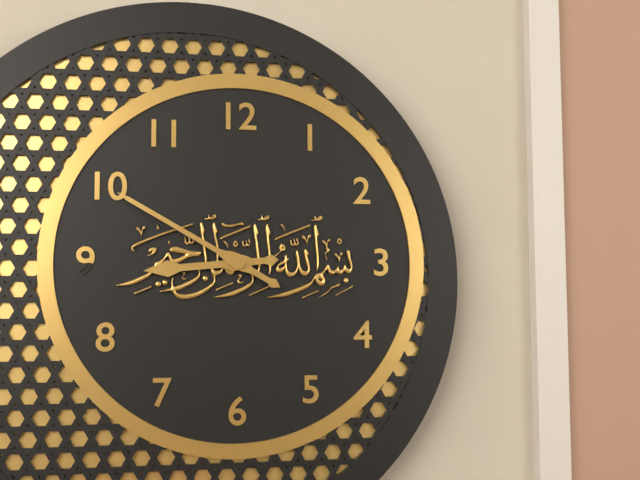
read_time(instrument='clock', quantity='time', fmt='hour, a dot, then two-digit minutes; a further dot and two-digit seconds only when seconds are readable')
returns 8.50
